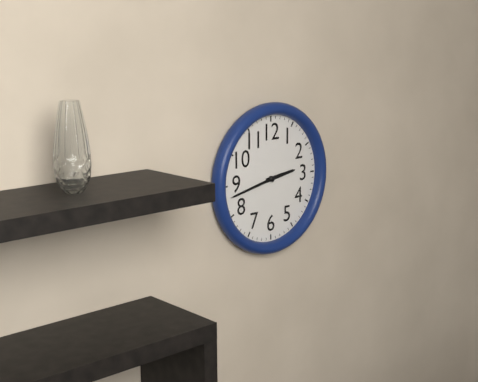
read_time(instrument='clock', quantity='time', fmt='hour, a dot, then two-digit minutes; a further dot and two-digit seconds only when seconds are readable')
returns 2.43
